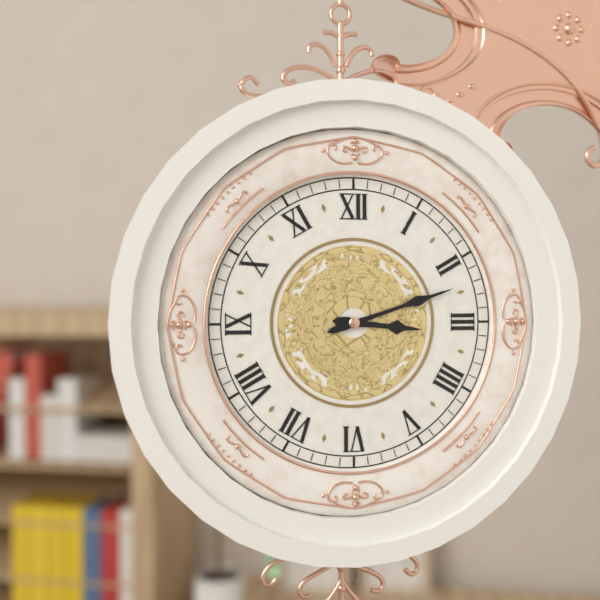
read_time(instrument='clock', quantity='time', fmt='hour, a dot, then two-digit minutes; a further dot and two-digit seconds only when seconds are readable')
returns 3.12
